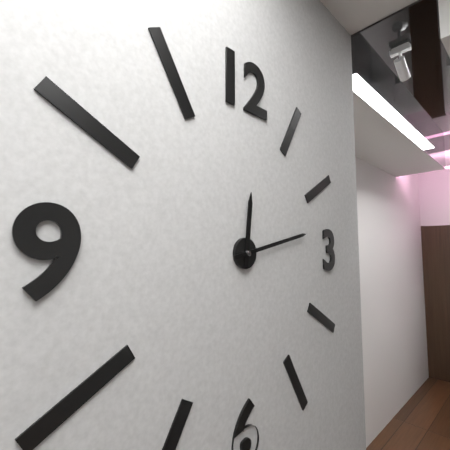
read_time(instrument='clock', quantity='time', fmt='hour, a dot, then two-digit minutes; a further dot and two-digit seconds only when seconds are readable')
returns 12.13
